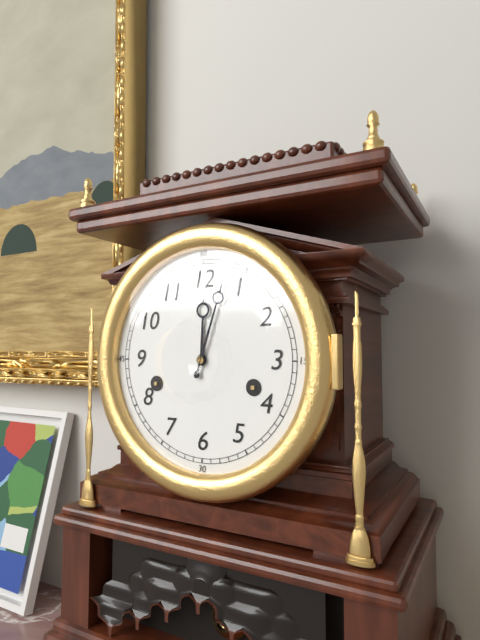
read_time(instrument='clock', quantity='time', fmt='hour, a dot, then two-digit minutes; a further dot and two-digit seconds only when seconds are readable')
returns 12.03
